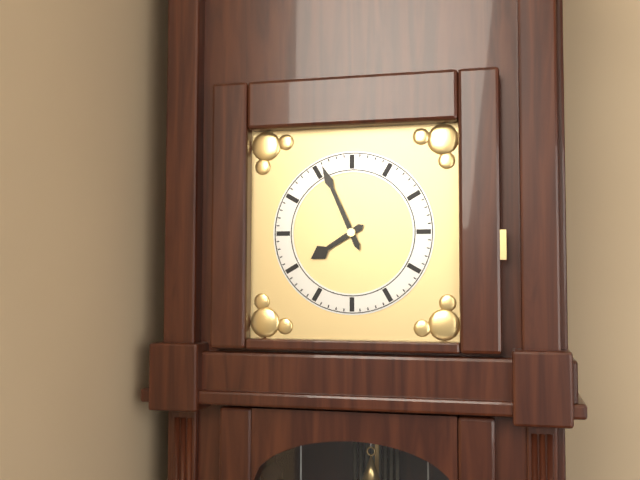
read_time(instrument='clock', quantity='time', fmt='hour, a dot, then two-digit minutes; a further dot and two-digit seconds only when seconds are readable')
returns 7.56
